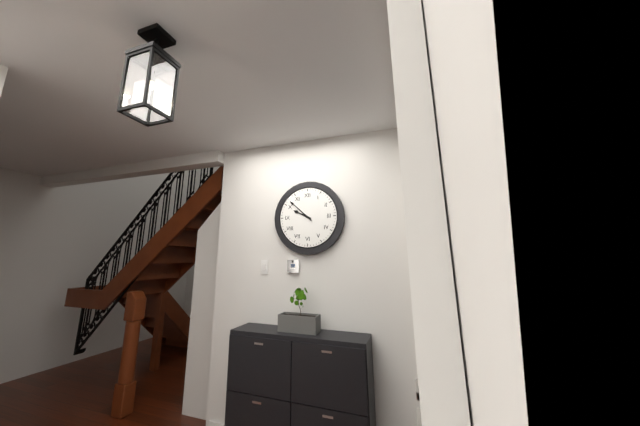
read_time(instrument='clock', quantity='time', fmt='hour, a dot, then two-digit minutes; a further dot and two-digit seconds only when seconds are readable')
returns 9.52
